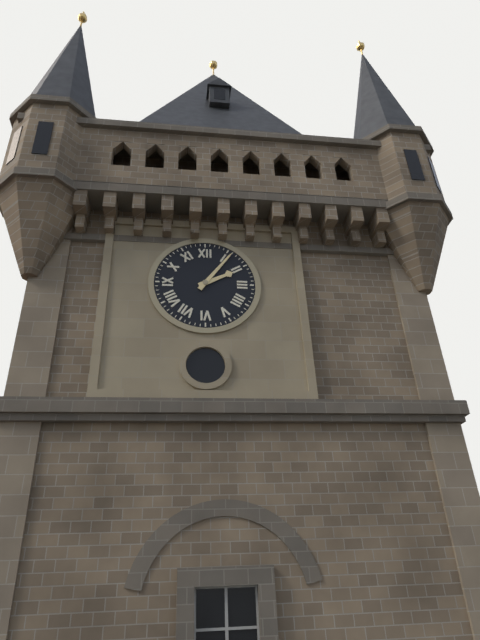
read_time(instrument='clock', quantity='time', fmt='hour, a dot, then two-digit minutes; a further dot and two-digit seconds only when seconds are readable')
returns 2.06
